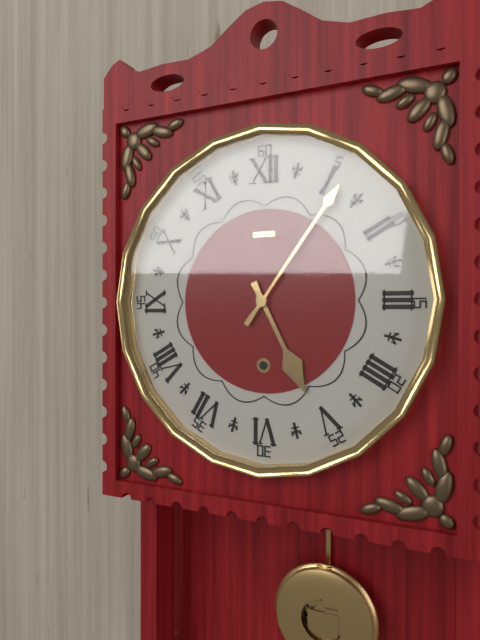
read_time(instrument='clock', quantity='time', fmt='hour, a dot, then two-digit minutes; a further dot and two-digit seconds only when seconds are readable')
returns 5.06
